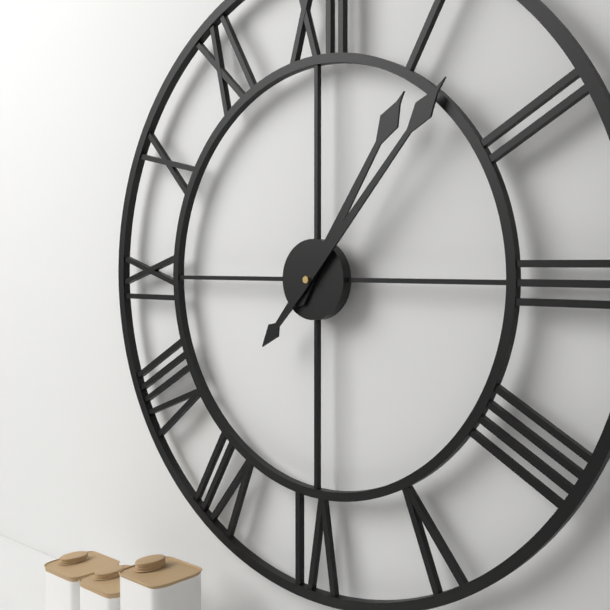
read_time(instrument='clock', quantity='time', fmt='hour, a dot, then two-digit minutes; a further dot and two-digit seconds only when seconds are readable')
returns 1.07
